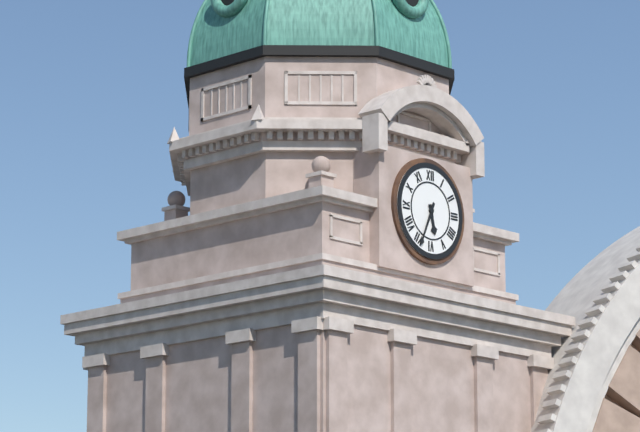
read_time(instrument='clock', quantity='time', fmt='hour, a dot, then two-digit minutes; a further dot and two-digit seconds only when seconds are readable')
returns 5.34
